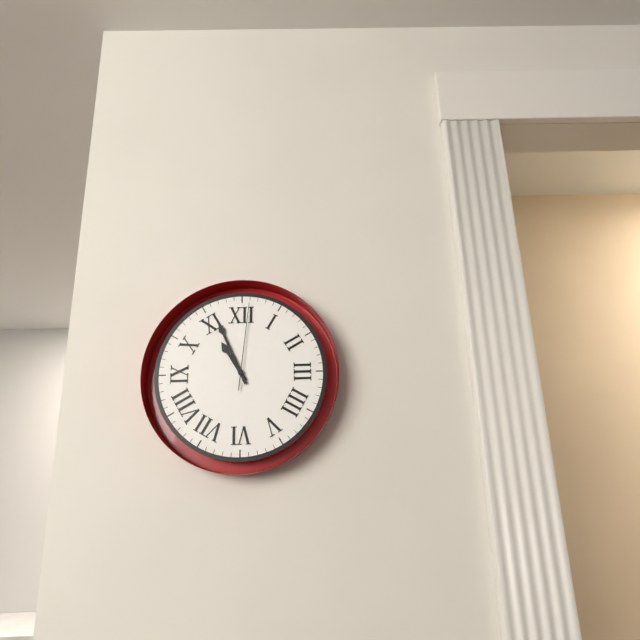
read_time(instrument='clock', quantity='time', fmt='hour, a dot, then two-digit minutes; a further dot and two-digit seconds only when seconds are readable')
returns 10.56.01
